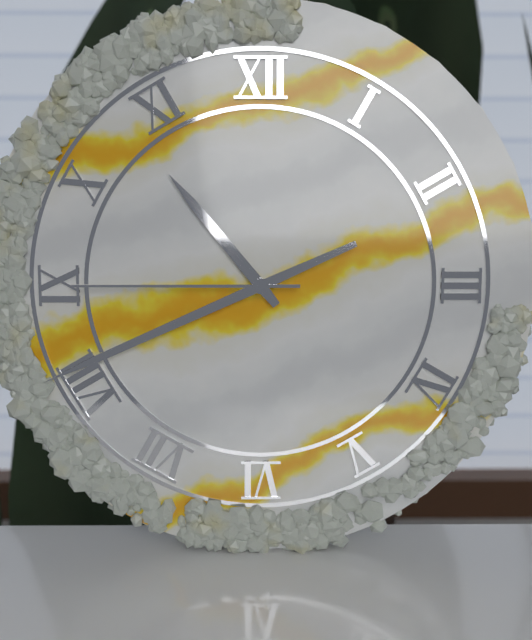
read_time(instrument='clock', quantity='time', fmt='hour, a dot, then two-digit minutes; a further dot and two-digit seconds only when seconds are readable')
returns 10.41.45
